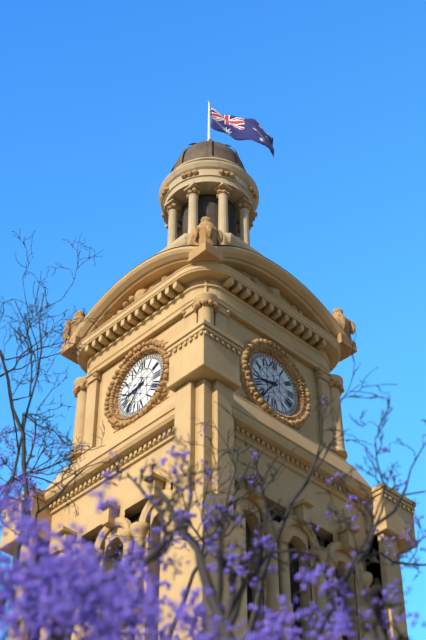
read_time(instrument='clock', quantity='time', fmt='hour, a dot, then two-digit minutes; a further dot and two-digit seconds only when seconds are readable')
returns 8.36
